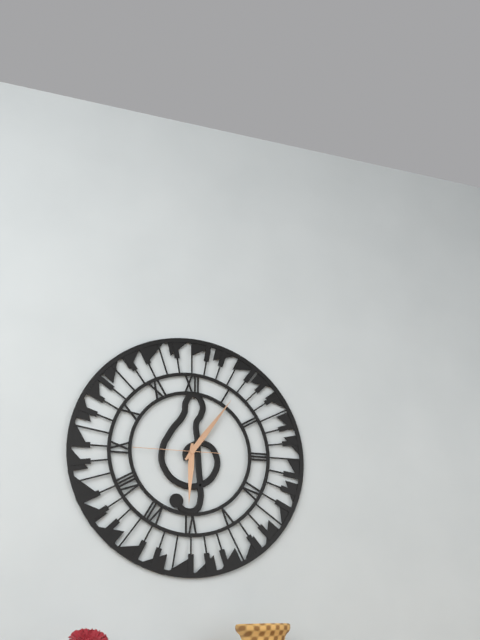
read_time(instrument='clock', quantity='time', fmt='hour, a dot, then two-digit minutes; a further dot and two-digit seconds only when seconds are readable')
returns 6.06.45
